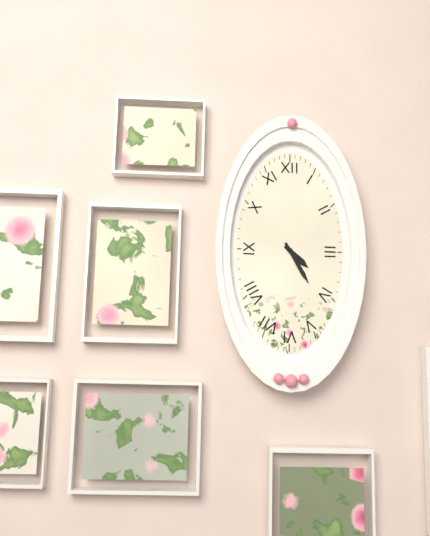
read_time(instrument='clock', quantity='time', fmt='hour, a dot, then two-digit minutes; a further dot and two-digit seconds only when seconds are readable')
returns 4.25
